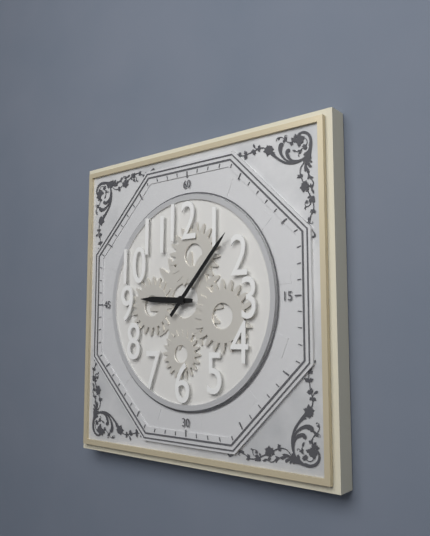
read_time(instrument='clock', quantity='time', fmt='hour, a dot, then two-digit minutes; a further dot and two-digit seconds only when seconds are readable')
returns 9.07
